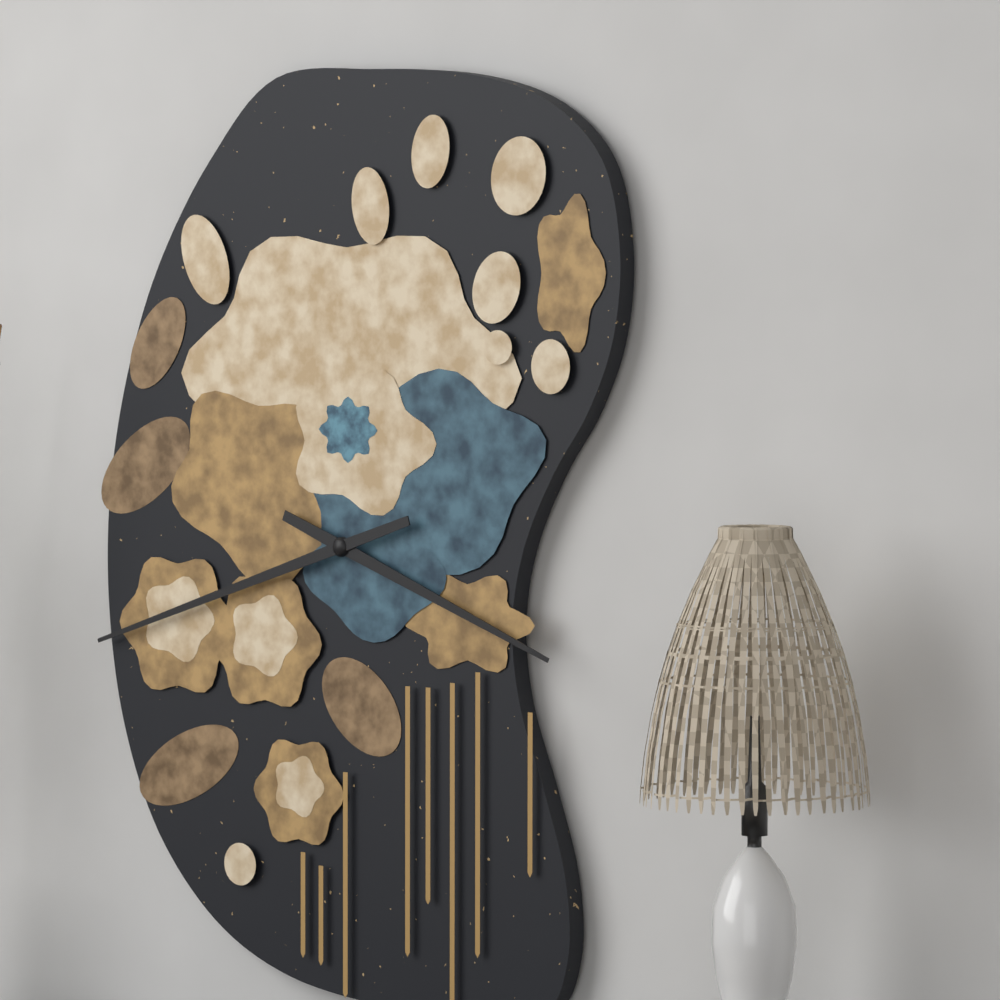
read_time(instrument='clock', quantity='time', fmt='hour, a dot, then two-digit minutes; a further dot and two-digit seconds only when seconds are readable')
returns 3.42
